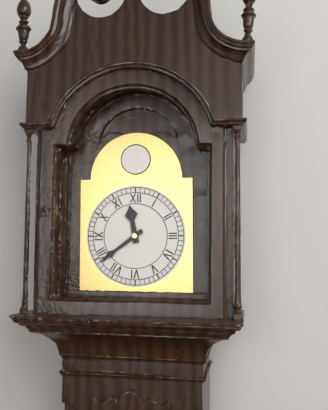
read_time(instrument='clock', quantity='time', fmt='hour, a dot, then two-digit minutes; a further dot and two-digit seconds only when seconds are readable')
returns 11.39
